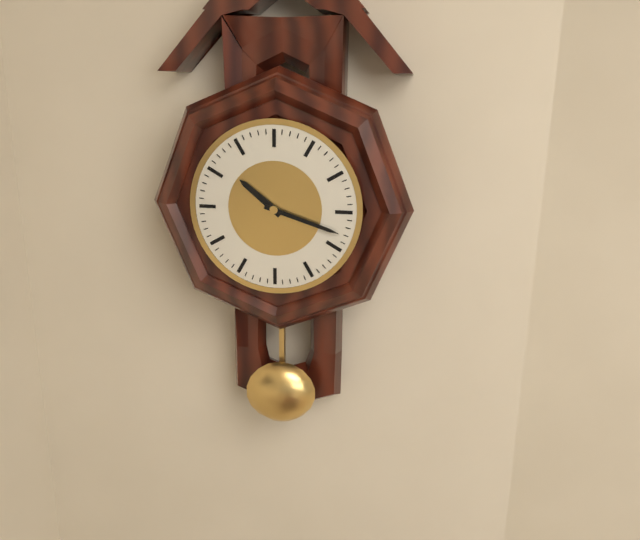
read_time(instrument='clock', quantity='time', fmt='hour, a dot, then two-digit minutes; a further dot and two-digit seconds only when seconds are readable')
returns 10.18
